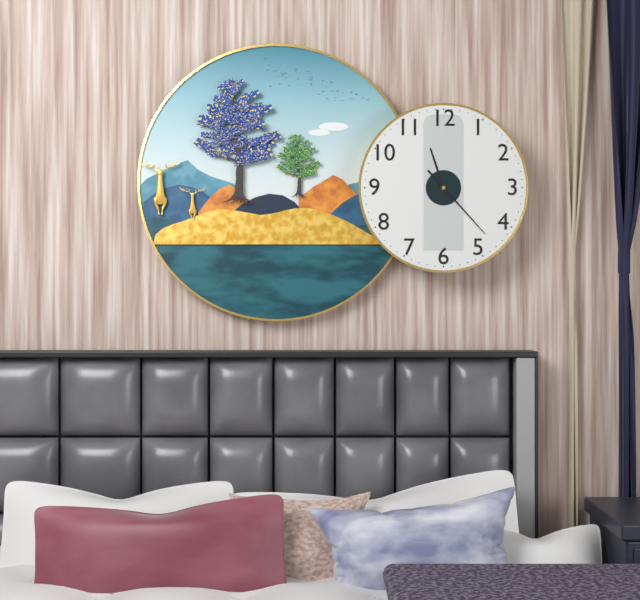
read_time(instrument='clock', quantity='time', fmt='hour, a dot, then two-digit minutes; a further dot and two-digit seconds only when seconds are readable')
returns 11.23
